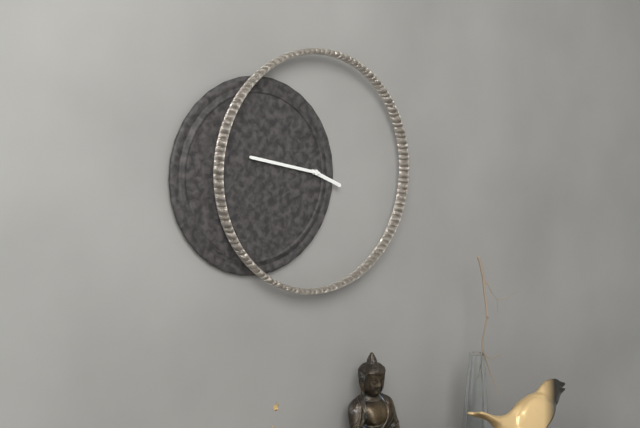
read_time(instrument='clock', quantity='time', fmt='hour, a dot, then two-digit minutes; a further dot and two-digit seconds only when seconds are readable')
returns 3.47
